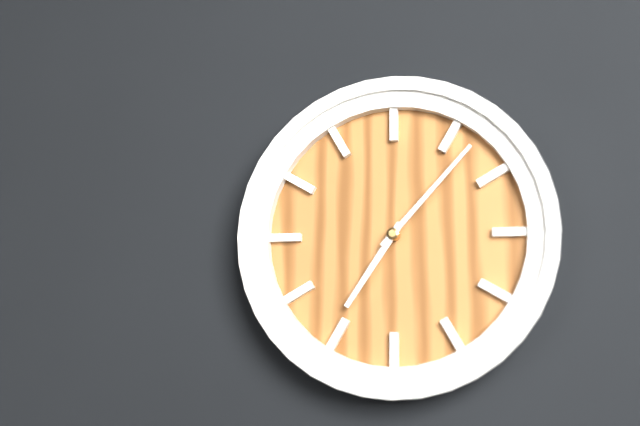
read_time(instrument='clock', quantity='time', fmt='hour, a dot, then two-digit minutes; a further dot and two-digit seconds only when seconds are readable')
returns 7.07
